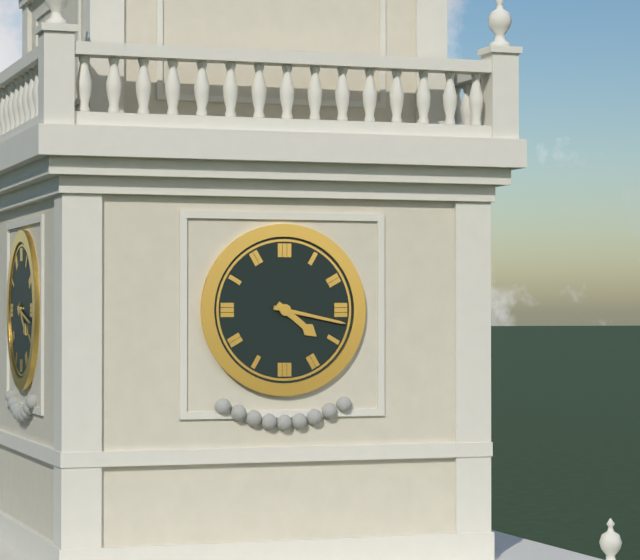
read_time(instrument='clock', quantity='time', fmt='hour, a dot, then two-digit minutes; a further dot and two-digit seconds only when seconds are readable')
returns 4.17
